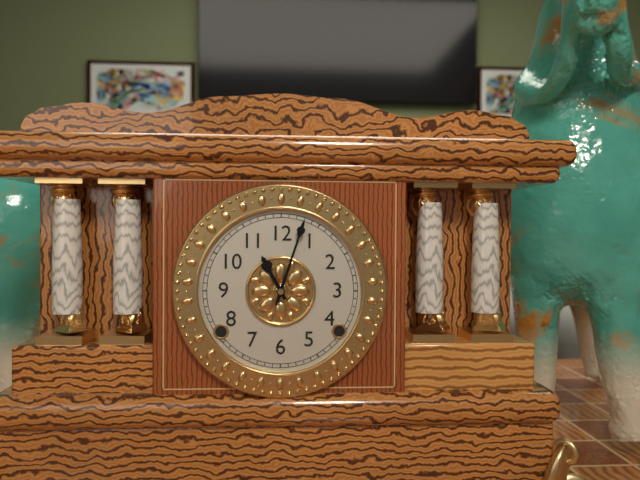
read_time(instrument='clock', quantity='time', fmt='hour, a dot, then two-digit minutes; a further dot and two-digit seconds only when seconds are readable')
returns 11.03
